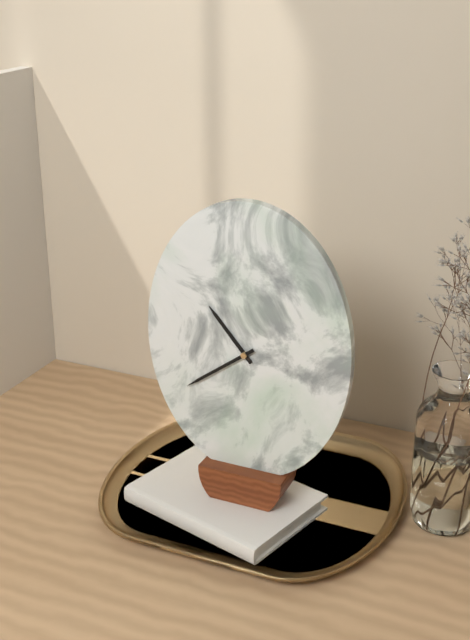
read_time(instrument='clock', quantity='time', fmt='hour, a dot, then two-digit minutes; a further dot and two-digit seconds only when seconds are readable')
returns 10.39
